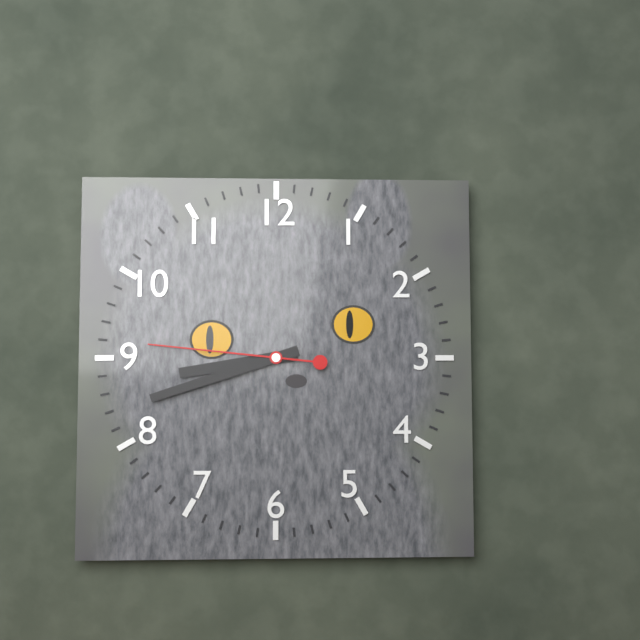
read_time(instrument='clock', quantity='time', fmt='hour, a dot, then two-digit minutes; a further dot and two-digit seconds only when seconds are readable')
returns 8.42.46
